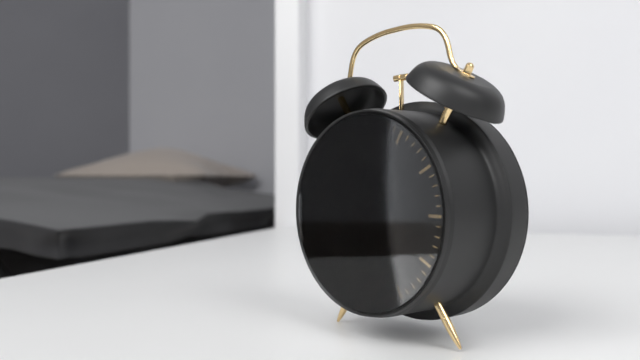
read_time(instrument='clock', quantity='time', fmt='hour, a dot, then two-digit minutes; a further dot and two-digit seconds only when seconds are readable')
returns 6.44.40
